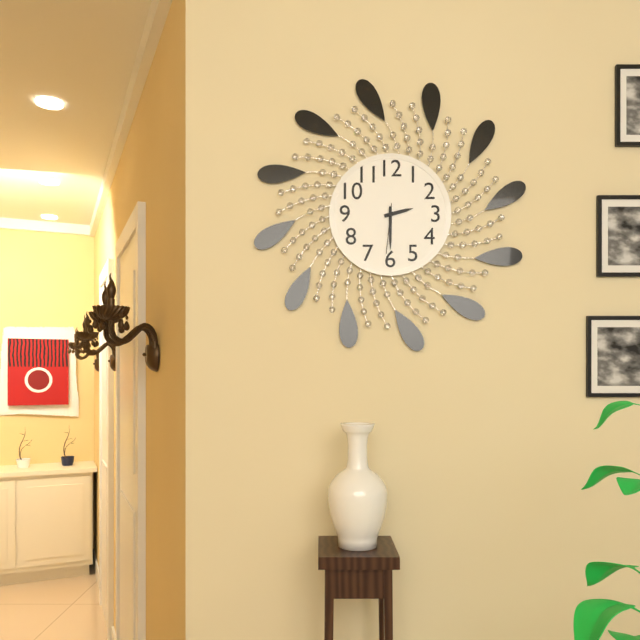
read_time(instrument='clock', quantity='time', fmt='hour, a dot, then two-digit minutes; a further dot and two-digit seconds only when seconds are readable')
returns 2.30.31
